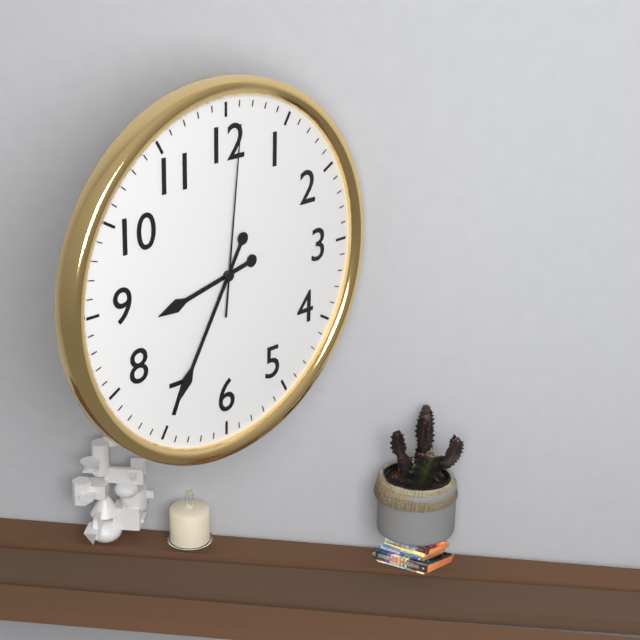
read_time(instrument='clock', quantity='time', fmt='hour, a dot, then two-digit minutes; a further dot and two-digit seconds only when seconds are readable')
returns 8.35.01
